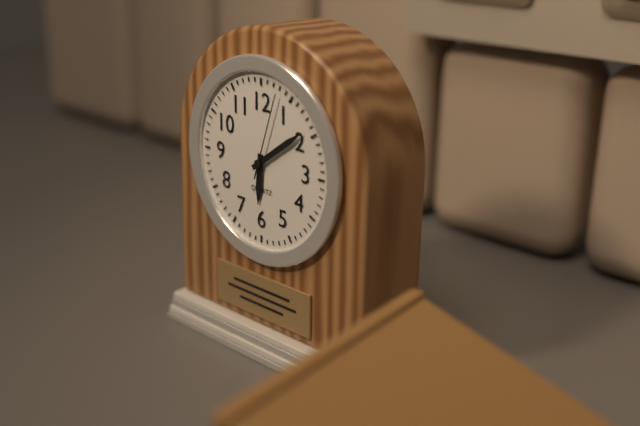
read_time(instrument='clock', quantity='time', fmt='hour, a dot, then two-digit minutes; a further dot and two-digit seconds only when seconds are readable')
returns 6.09.03
